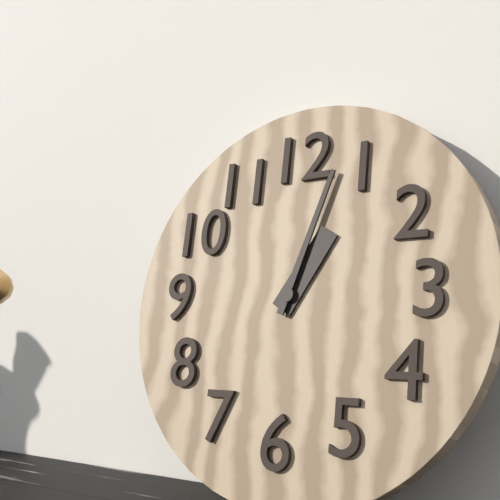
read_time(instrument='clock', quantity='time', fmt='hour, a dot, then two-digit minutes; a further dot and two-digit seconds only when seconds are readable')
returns 1.03
